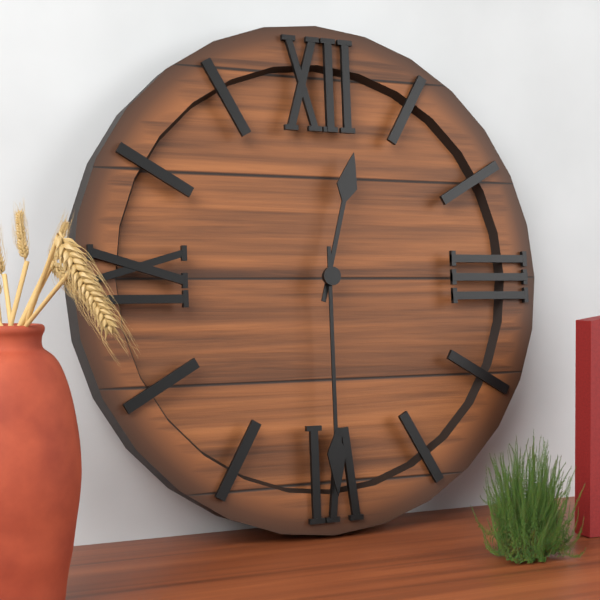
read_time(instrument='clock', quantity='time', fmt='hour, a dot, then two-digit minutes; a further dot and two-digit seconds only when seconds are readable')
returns 12.30
